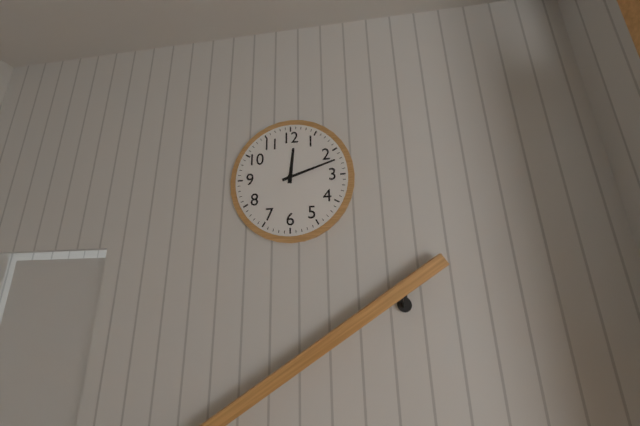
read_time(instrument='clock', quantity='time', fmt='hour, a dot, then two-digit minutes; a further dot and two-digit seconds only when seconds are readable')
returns 12.12
